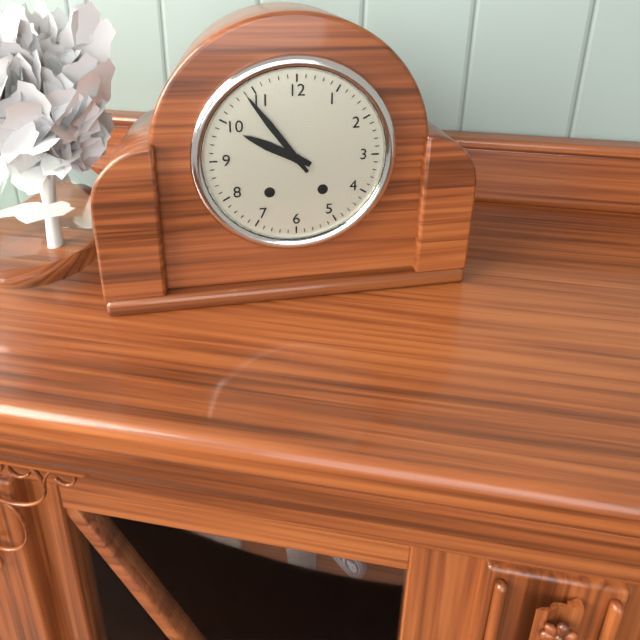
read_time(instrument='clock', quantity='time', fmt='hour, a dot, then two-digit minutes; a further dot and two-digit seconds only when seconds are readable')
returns 9.54
